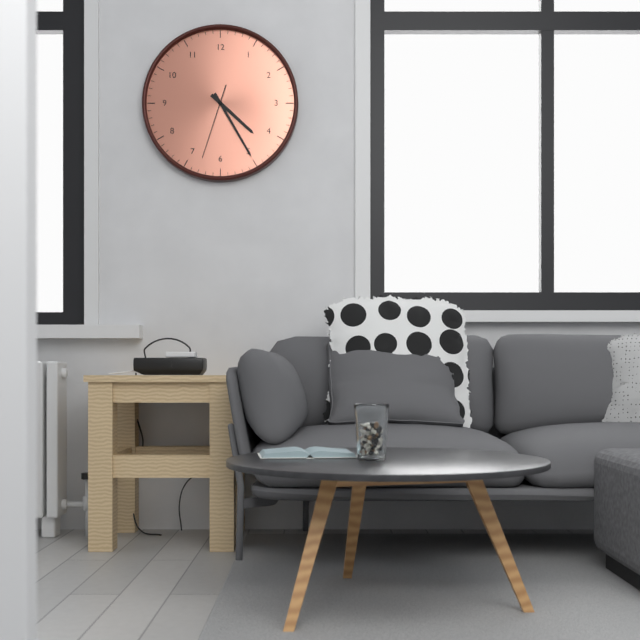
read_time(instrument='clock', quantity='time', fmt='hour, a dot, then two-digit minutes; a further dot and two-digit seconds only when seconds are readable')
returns 4.25.33
